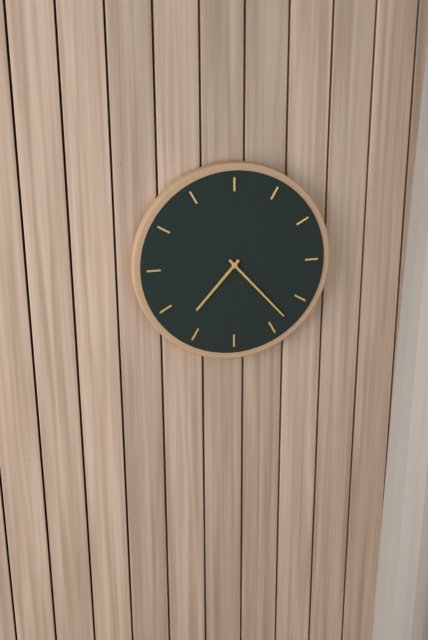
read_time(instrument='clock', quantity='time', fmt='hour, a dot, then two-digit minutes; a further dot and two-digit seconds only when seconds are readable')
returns 7.23
